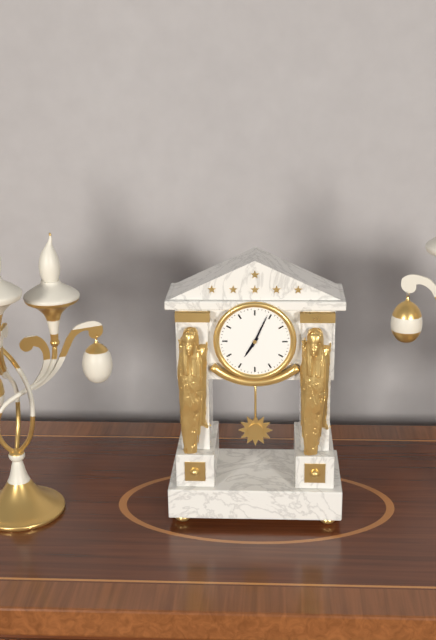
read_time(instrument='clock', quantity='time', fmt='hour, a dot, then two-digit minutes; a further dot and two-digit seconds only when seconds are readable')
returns 7.04
